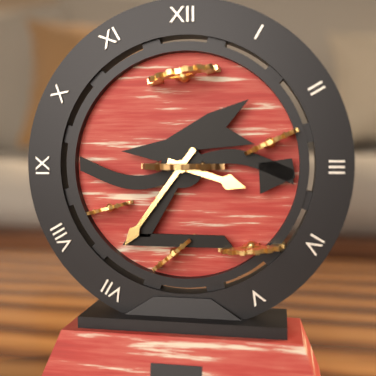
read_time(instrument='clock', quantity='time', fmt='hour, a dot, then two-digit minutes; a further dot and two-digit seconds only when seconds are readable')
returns 3.36
